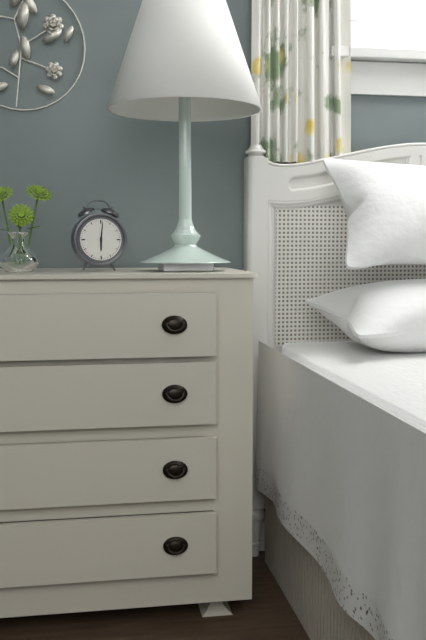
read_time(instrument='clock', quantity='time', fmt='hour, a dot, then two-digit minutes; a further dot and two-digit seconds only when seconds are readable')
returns 6.01
